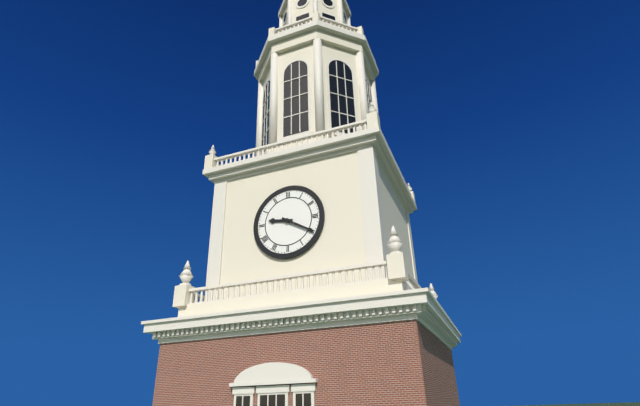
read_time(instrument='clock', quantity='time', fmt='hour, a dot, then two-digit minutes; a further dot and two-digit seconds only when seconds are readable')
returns 9.20
